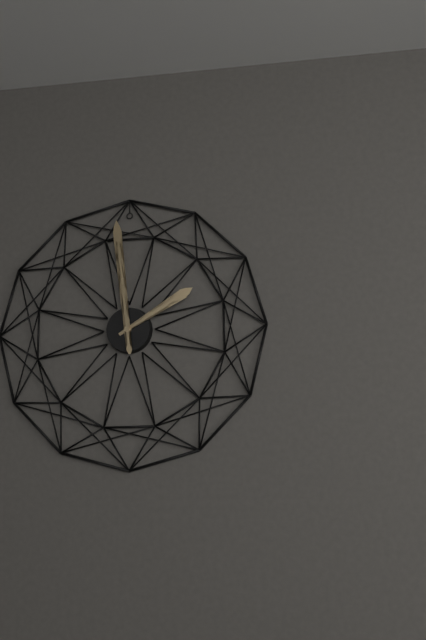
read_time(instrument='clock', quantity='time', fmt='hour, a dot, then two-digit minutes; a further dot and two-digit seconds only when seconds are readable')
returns 1.59
